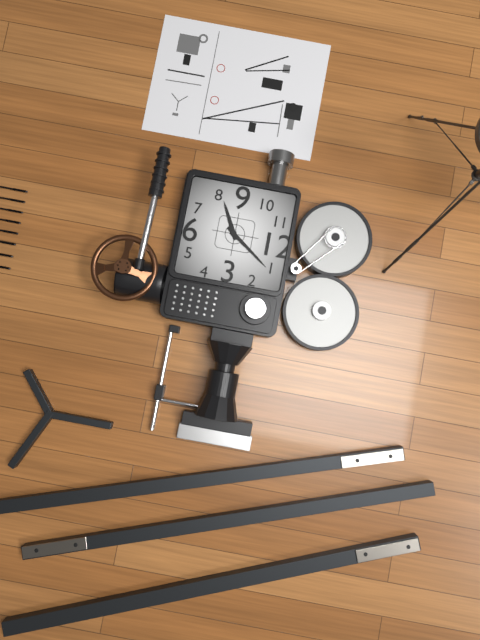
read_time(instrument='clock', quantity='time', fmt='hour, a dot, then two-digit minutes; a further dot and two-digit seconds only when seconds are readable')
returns 8.06
